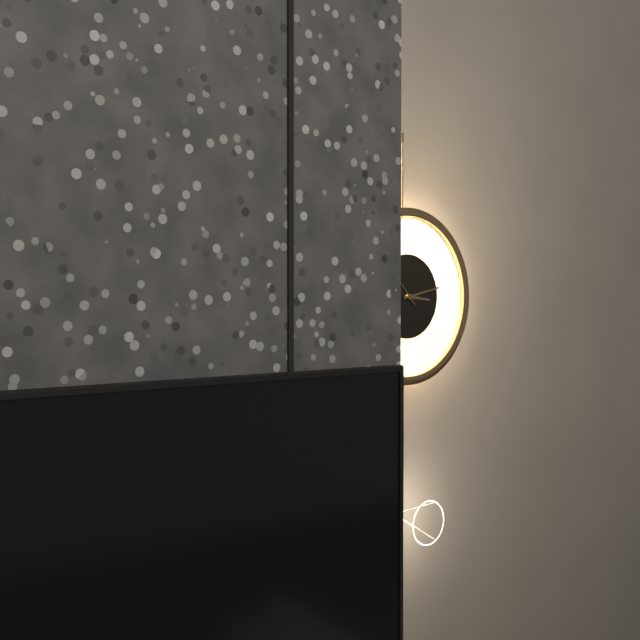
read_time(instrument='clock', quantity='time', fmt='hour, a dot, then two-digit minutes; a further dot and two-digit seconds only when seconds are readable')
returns 3.13
